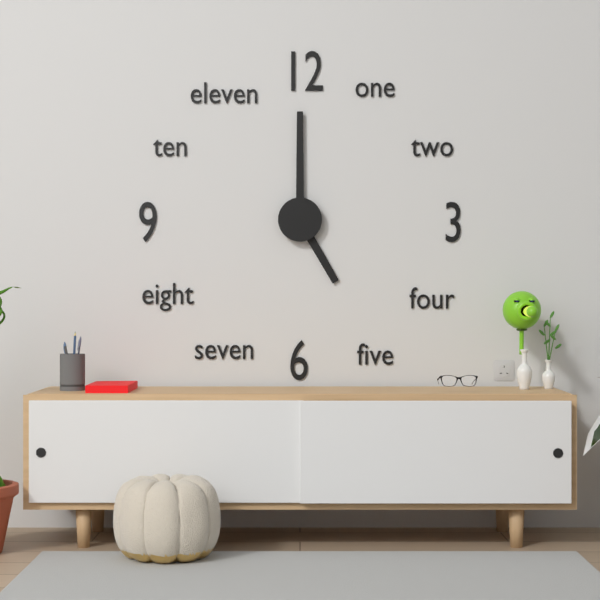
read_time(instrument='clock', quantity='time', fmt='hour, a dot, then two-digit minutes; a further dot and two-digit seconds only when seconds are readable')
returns 5.00
